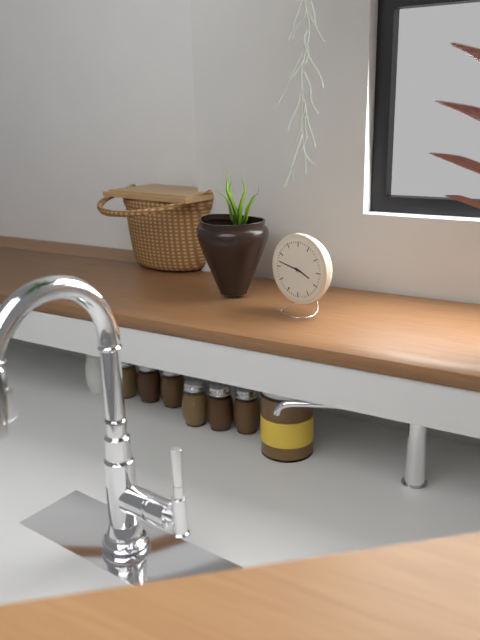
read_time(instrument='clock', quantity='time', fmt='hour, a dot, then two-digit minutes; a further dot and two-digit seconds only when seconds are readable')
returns 3.47
